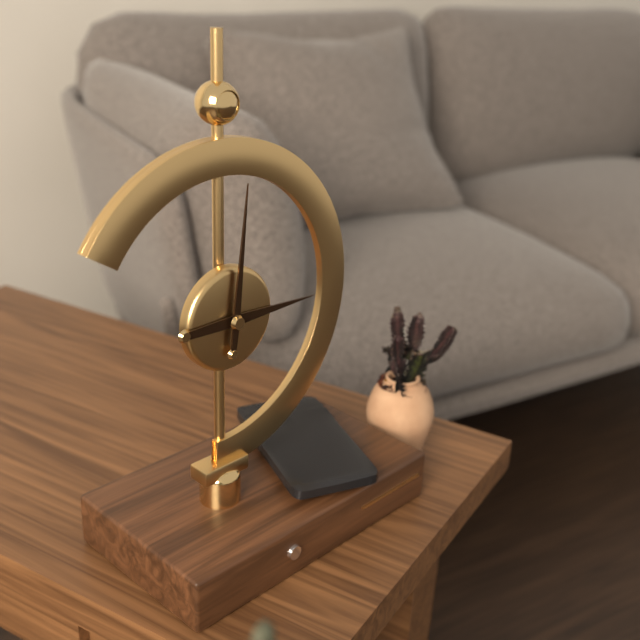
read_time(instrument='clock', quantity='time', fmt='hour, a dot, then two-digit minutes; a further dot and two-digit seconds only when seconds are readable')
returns 3.01
